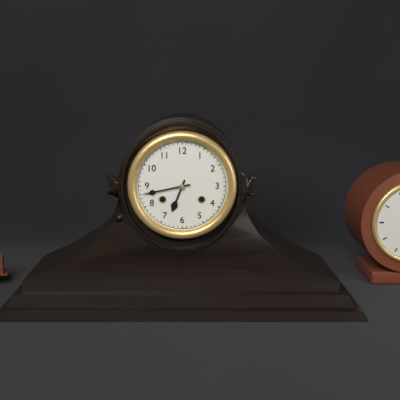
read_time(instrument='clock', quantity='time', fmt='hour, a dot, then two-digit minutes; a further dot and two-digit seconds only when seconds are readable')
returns 6.43
